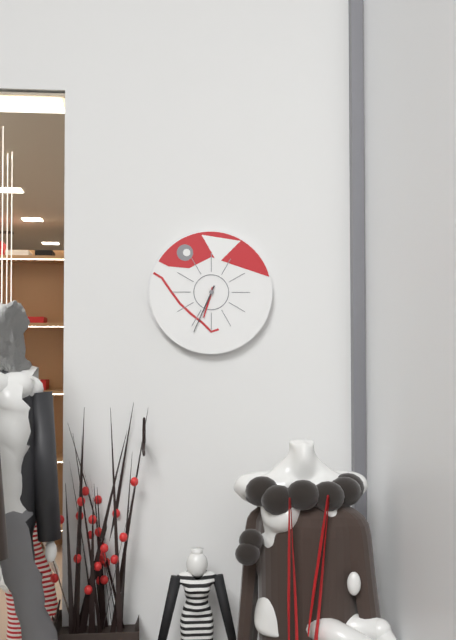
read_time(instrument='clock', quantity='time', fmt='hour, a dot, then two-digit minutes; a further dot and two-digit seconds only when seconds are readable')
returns 6.34
